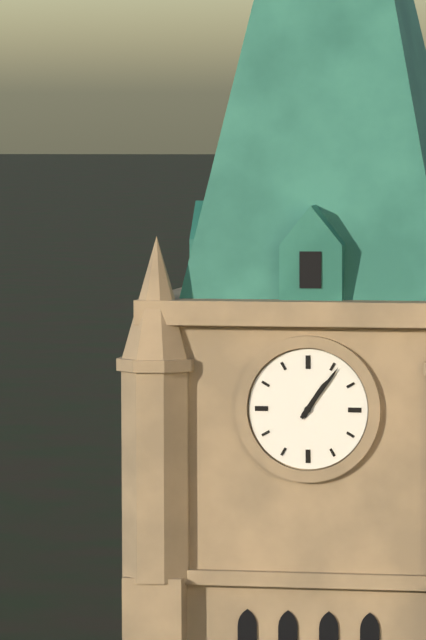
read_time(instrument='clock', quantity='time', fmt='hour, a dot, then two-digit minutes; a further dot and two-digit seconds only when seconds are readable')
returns 1.06
